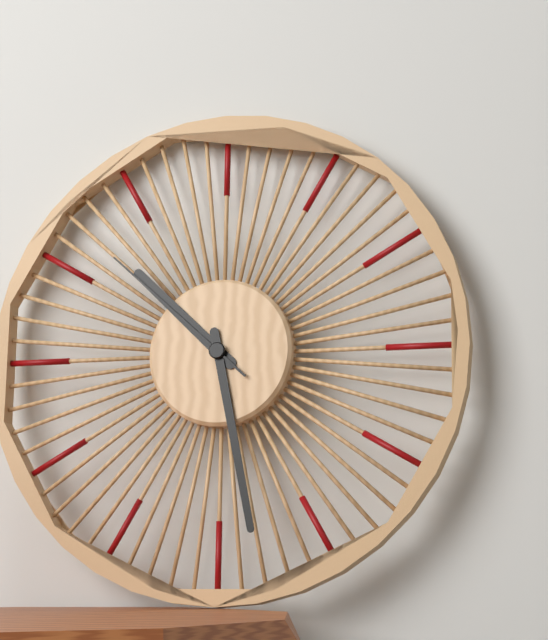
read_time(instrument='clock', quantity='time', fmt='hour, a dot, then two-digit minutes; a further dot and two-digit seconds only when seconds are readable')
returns 10.28.52
